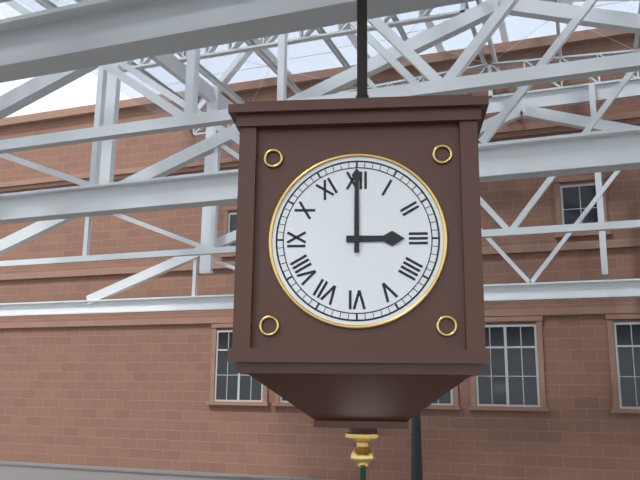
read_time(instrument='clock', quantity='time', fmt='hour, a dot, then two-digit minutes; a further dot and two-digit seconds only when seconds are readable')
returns 3.00
